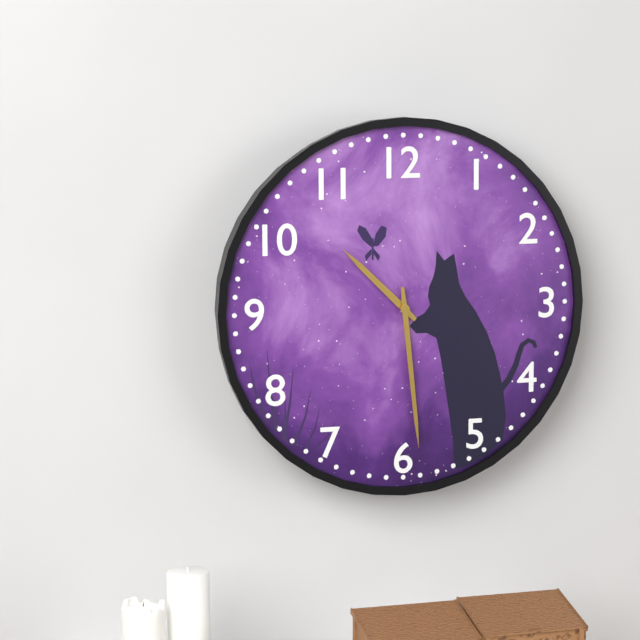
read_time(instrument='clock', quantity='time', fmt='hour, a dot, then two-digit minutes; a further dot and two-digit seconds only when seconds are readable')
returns 10.29
